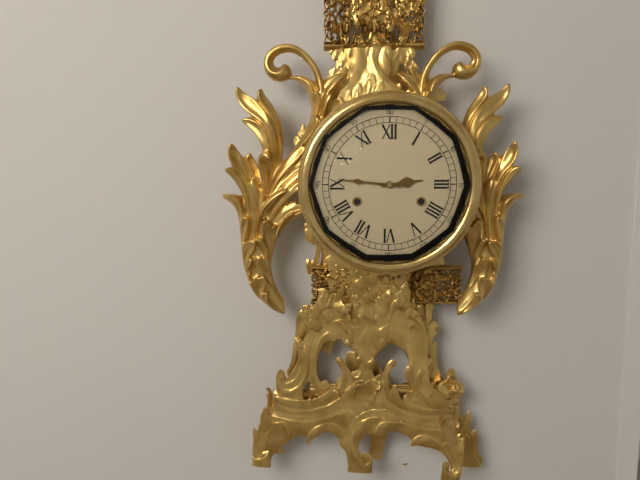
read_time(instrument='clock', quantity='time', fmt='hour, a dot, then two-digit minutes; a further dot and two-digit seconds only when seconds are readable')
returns 2.46
